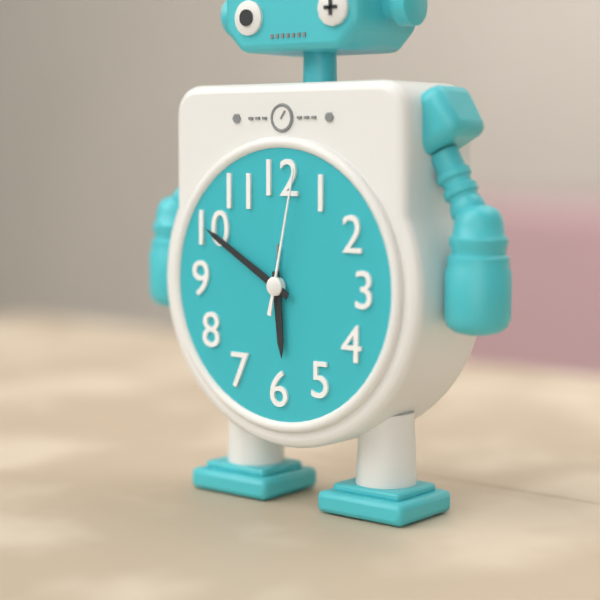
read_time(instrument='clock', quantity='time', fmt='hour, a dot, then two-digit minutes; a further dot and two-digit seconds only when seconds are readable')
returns 5.50.02
